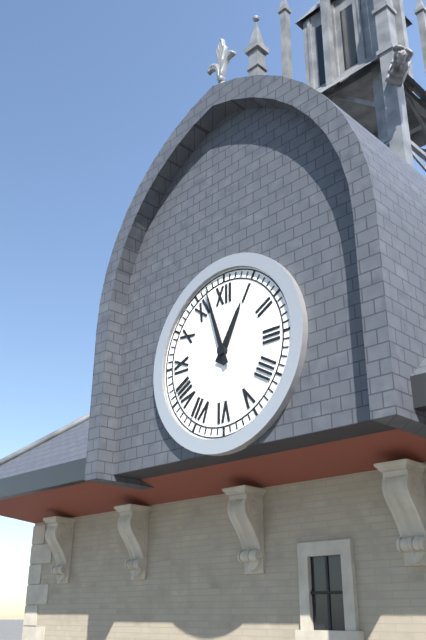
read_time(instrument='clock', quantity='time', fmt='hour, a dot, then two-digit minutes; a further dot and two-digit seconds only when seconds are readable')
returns 12.57
